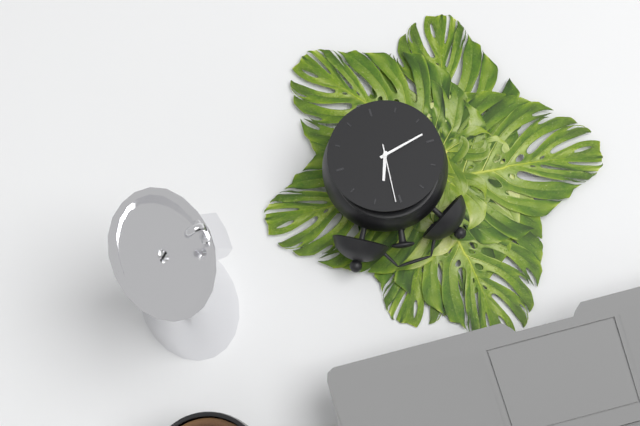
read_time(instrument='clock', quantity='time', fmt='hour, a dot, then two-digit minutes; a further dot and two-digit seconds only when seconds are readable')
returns 12.43.01
